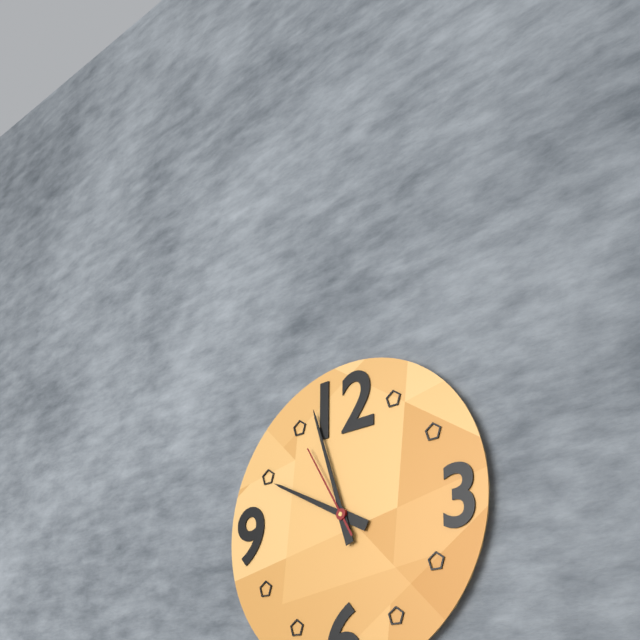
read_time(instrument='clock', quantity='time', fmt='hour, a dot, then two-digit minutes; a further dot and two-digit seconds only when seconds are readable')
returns 9.57.55
